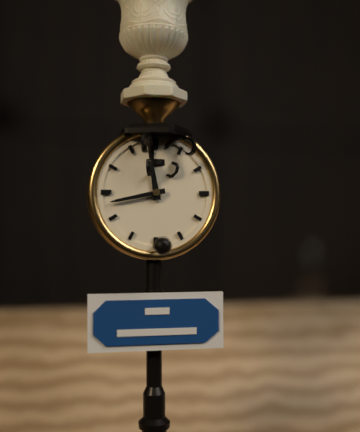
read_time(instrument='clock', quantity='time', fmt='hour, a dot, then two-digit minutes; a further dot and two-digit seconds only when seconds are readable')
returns 11.43
